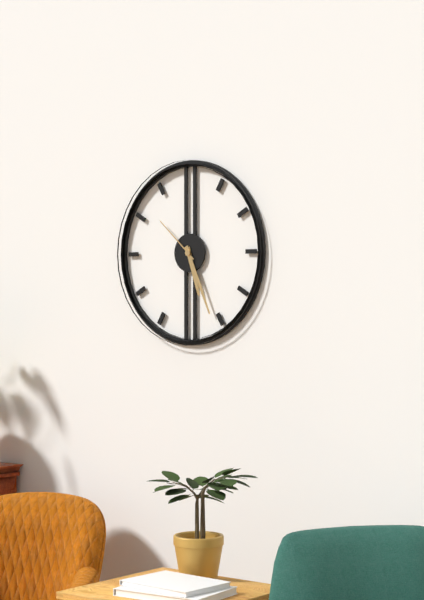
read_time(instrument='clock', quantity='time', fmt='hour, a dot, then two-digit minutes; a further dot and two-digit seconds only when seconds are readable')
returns 5.26.52
